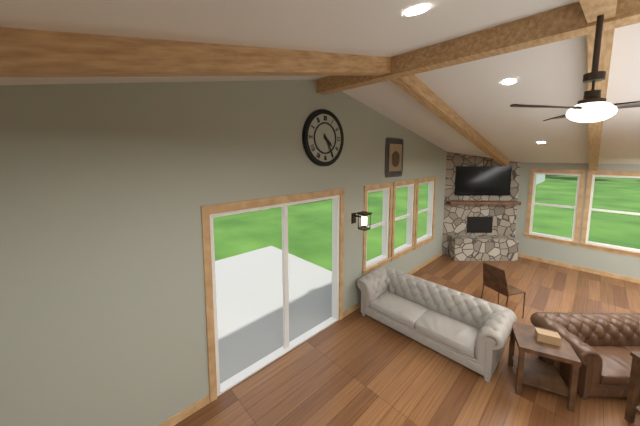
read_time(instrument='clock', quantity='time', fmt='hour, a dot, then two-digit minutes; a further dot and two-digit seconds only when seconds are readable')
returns 4.25
